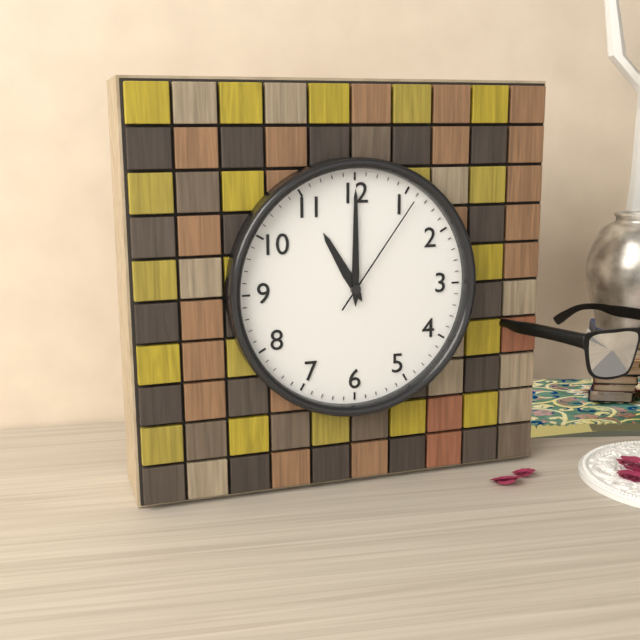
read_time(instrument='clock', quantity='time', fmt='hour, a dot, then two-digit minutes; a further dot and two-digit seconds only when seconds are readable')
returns 11.00.06
